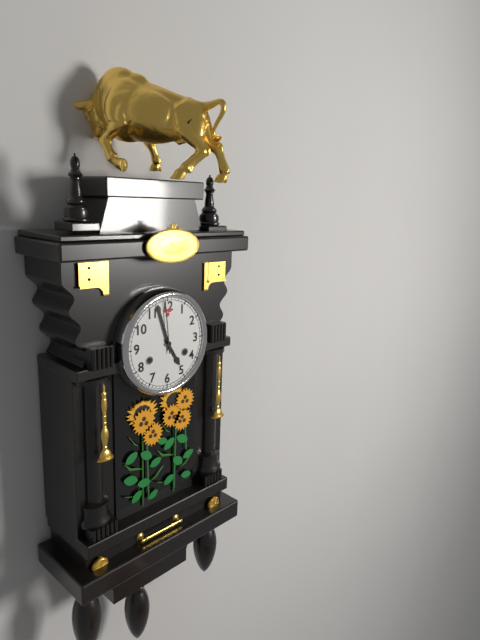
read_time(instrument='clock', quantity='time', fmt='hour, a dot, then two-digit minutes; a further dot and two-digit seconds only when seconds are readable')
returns 4.57.59
